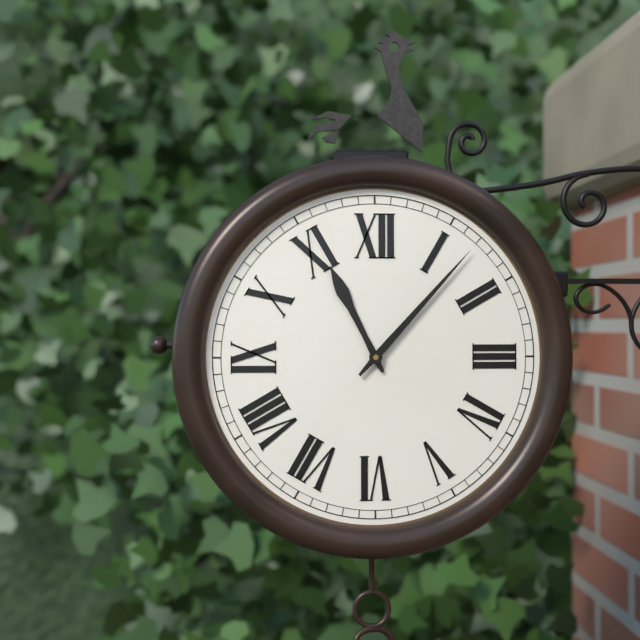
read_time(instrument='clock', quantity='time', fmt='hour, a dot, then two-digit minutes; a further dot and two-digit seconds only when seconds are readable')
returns 11.07
